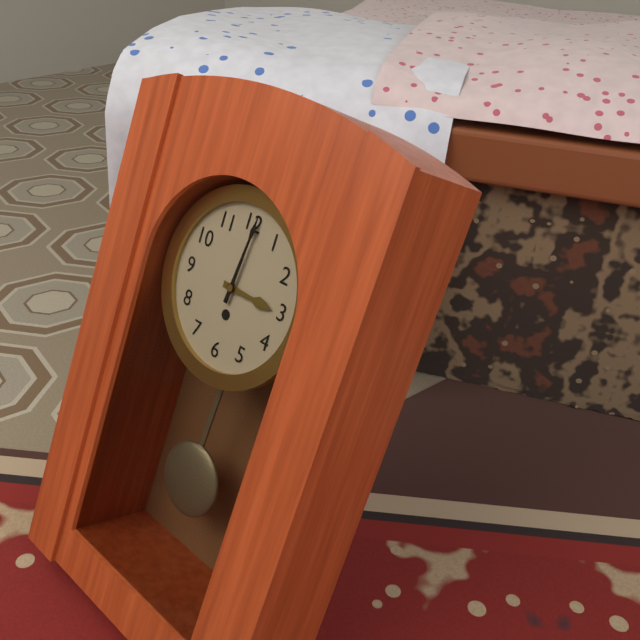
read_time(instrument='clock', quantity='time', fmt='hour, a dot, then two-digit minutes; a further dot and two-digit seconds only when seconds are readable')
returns 3.01
